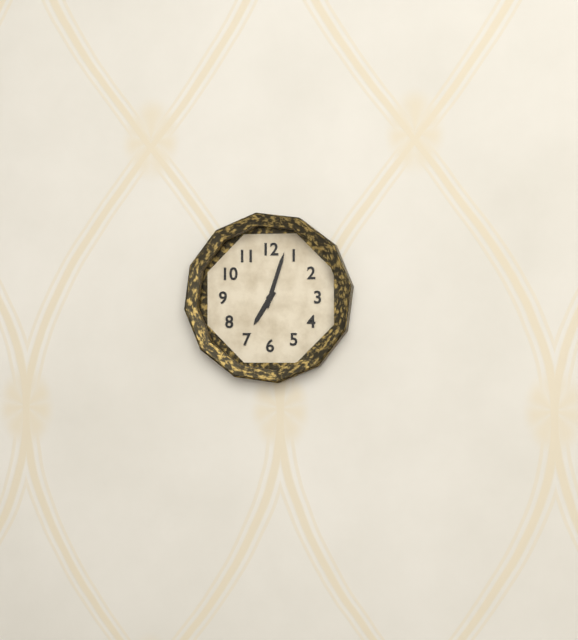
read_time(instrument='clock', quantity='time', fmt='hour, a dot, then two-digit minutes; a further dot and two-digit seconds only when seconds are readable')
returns 7.03
